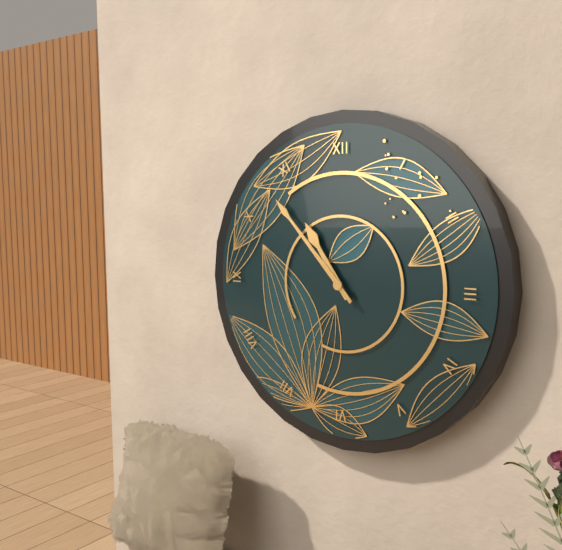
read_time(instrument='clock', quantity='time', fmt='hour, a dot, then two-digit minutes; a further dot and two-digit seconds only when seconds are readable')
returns 10.53
